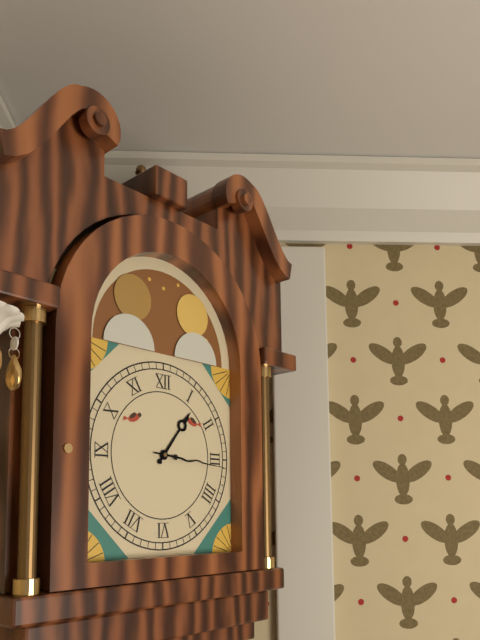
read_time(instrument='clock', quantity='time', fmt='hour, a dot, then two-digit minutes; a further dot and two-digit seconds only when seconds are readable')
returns 1.16
